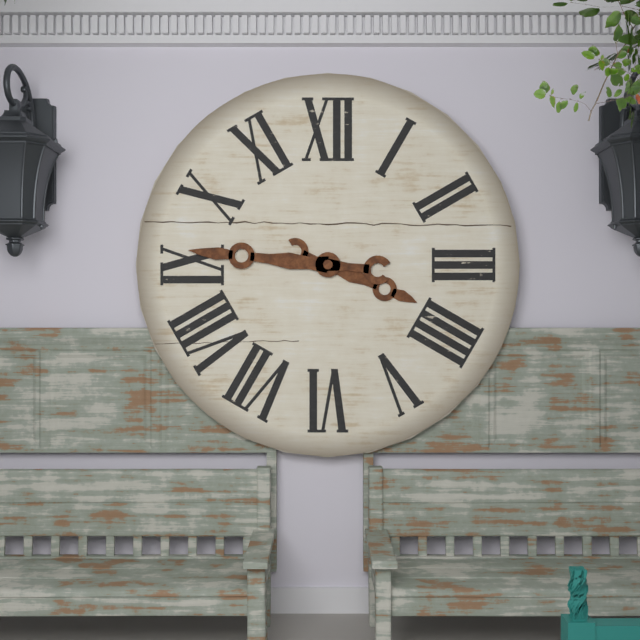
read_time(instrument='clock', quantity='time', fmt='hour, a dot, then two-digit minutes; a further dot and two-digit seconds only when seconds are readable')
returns 3.46
